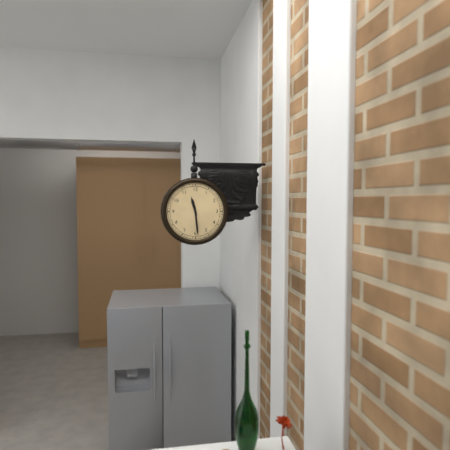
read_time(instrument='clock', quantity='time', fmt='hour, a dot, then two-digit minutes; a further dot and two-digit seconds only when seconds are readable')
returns 11.29
